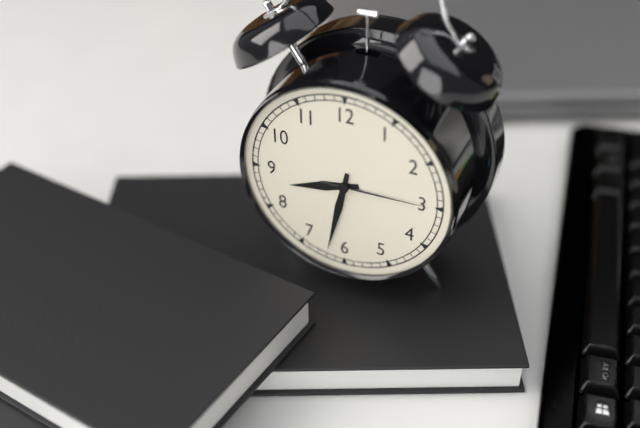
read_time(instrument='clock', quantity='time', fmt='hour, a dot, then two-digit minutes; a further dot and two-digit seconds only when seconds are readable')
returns 8.32.15
